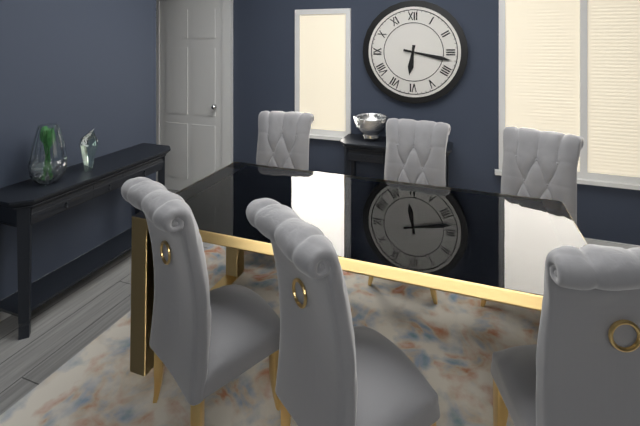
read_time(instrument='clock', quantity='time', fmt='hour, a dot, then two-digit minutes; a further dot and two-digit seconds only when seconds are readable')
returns 6.17
